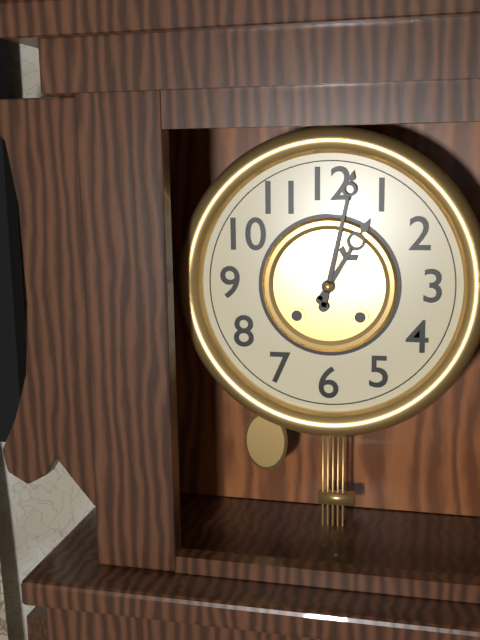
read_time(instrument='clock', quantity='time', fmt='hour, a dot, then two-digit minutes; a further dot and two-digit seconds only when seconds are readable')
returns 1.02
